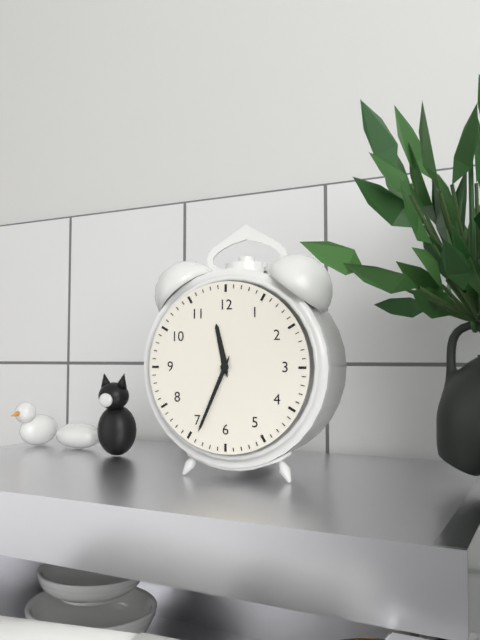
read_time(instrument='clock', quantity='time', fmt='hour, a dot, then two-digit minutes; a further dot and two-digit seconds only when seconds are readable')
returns 11.34
